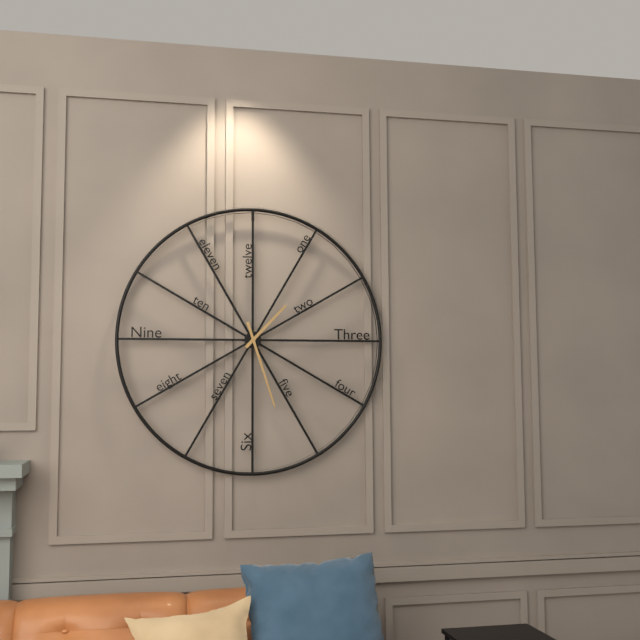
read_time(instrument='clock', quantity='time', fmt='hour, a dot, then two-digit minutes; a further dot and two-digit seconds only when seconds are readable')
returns 1.27
